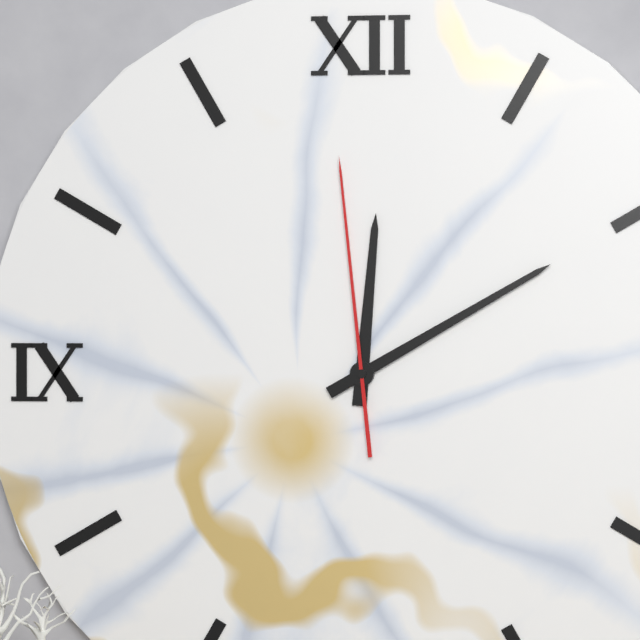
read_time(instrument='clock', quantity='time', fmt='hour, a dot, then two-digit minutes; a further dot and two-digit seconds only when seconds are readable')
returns 12.10.59
